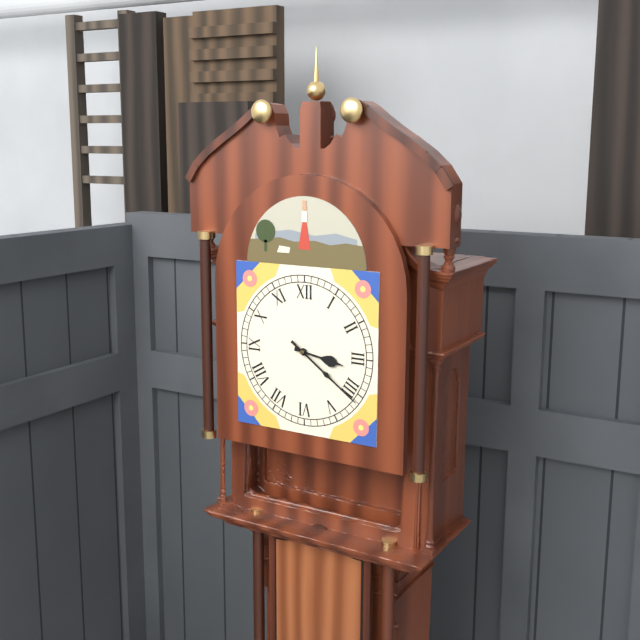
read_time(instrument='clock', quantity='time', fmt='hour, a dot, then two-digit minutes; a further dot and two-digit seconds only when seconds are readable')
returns 3.21
